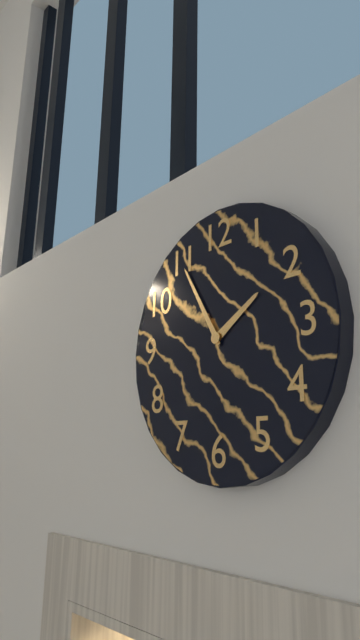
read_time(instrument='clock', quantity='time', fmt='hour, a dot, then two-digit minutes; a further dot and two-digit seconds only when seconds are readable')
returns 1.55
